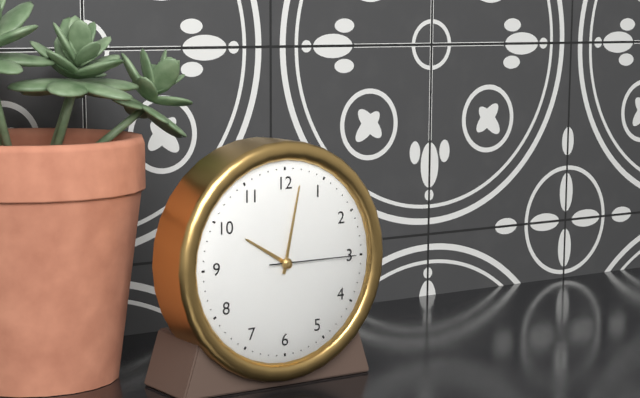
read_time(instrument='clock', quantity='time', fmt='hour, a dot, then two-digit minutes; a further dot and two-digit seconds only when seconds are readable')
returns 10.02.15
